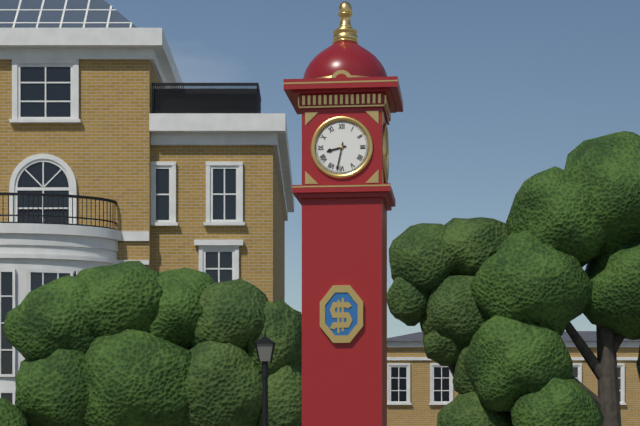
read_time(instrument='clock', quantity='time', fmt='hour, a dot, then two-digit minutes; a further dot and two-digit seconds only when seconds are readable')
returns 8.32
